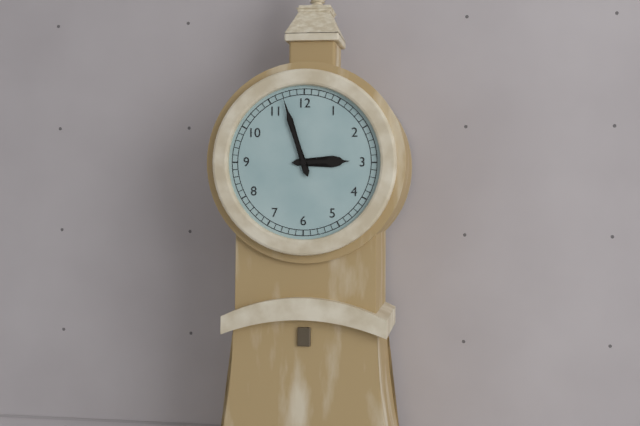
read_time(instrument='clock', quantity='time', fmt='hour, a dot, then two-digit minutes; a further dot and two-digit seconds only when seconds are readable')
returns 2.57
